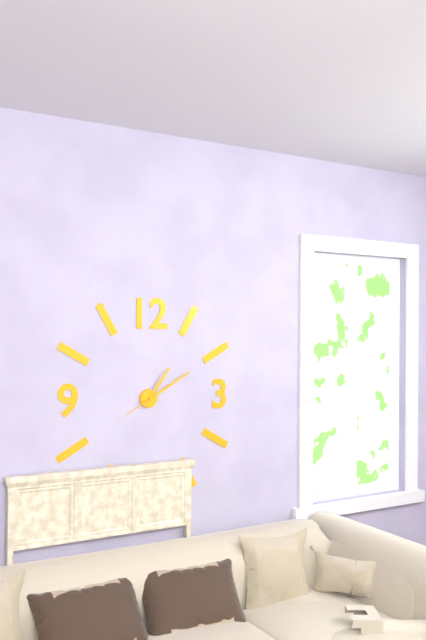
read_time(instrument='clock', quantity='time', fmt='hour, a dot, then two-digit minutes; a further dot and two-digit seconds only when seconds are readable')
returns 1.10
